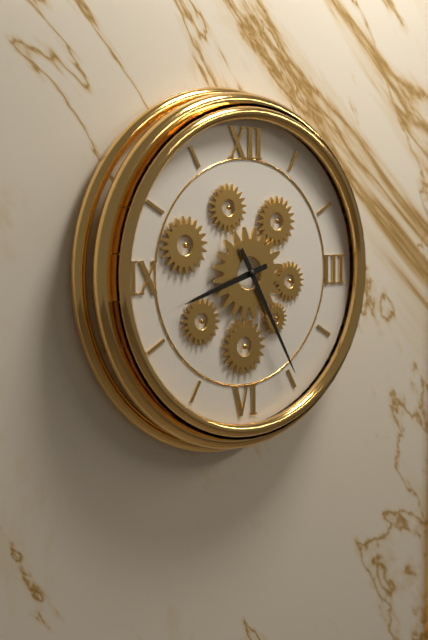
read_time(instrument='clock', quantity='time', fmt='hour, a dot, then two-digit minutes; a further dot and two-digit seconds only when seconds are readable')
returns 8.25
